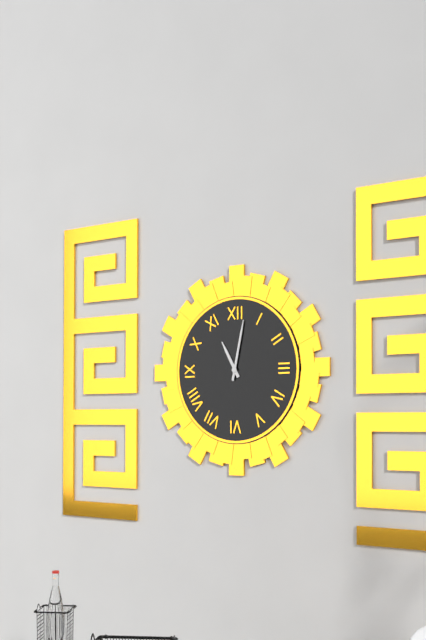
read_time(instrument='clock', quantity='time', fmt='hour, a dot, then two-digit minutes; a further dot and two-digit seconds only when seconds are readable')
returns 11.02
